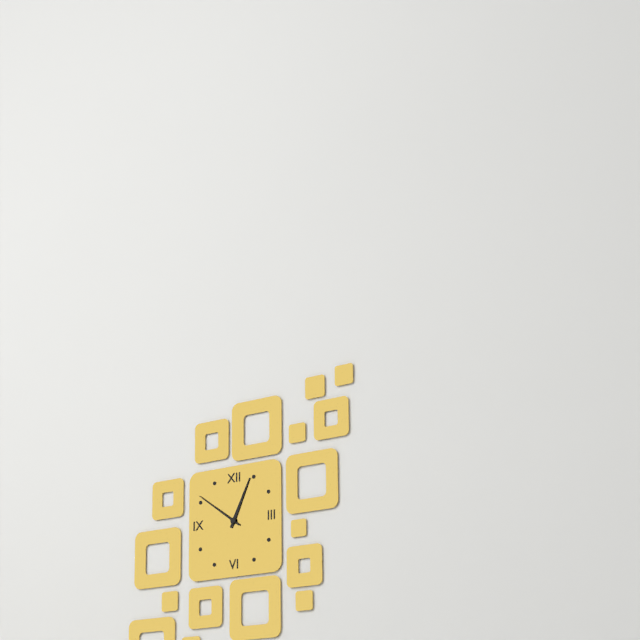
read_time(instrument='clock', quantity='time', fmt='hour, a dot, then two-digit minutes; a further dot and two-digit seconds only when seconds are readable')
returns 12.51
